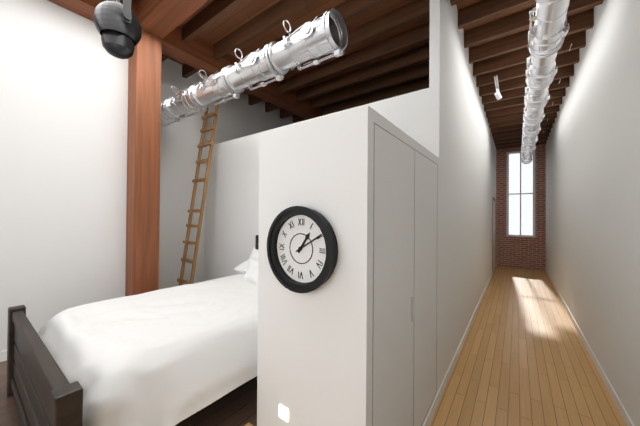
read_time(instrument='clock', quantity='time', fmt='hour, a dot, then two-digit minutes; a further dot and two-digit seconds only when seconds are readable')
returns 1.10
